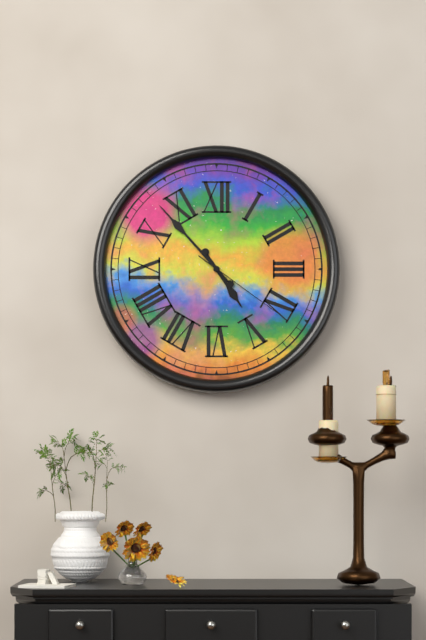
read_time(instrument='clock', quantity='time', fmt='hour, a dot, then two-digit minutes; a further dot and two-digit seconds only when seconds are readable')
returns 4.53.21
